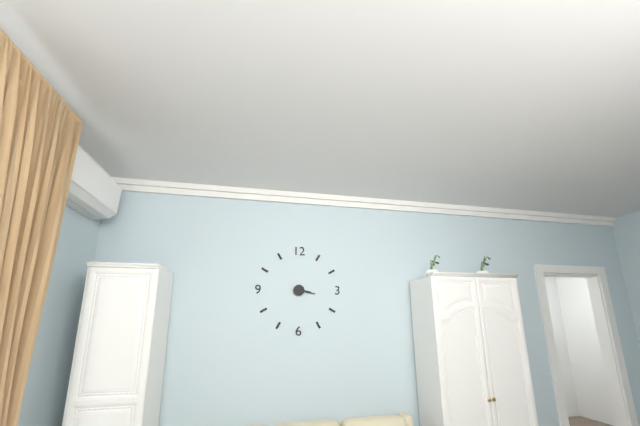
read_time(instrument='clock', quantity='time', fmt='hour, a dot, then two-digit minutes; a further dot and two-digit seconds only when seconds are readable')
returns 3.17
